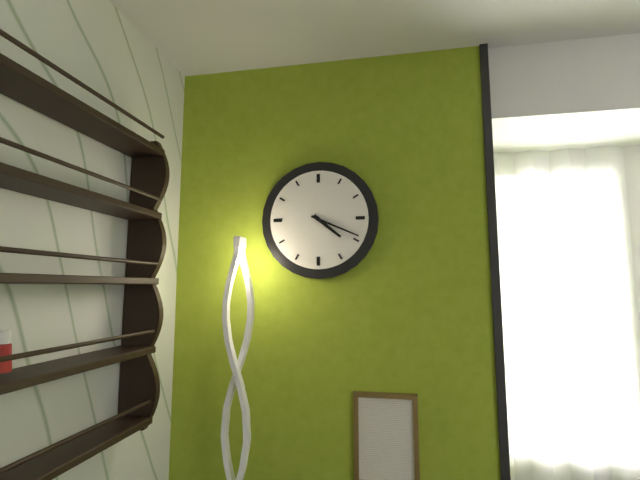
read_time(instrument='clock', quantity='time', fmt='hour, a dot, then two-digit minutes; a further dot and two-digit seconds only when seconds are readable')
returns 4.19
